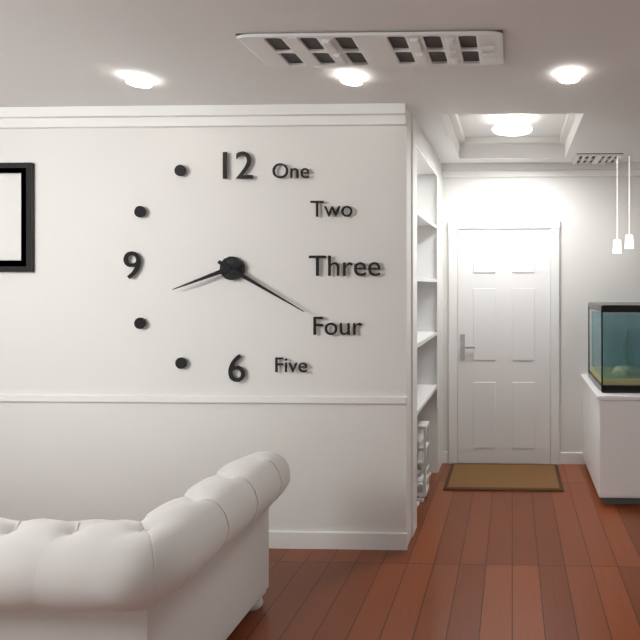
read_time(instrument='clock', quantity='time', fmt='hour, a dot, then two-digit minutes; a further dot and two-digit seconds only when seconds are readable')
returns 8.20
